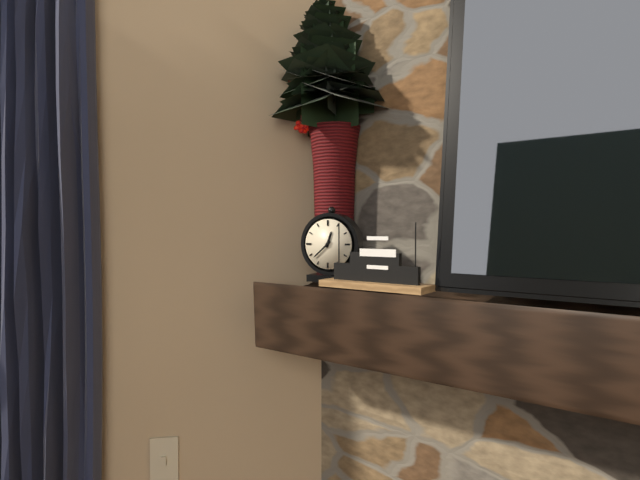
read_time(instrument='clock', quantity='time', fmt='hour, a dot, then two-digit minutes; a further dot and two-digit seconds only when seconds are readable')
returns 12.38
